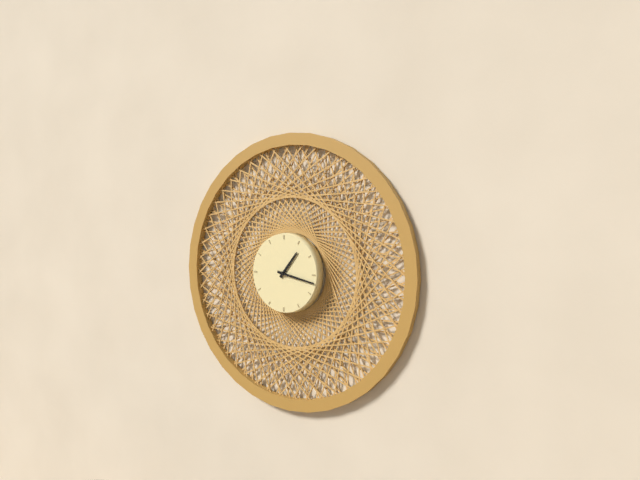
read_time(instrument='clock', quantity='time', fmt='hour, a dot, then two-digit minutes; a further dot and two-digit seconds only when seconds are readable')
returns 1.17
